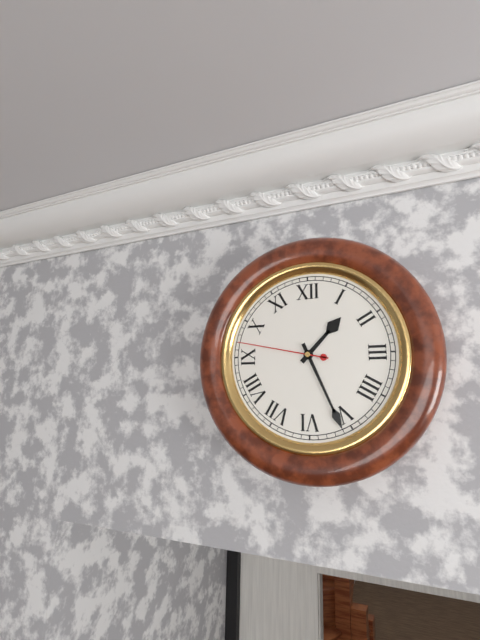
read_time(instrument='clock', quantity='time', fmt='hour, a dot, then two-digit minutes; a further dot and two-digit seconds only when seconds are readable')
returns 1.26.47
